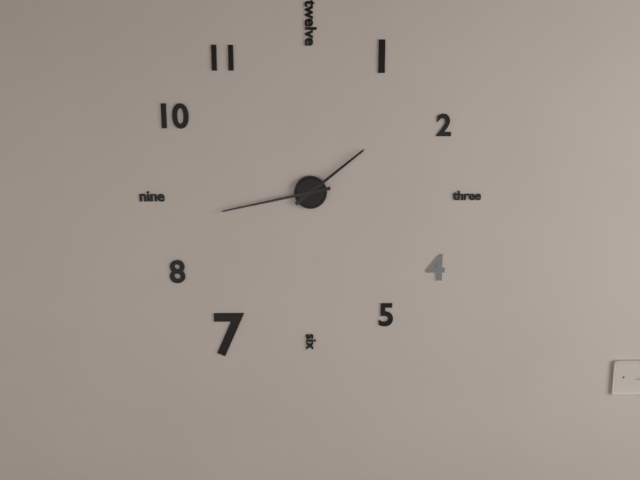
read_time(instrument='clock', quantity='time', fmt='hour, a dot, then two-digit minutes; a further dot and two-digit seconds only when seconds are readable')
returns 1.43
